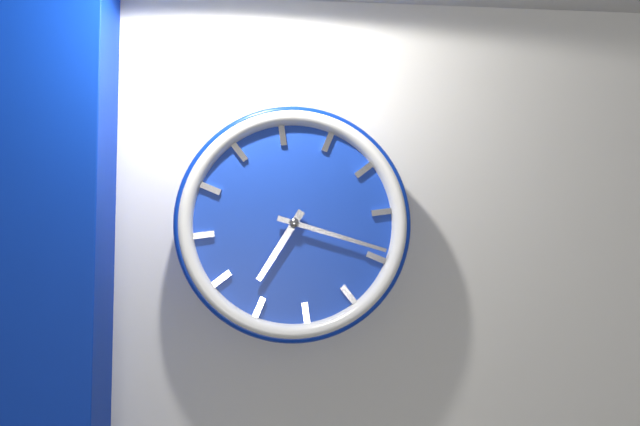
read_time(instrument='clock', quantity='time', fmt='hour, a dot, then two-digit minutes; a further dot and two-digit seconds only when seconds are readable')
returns 7.19
